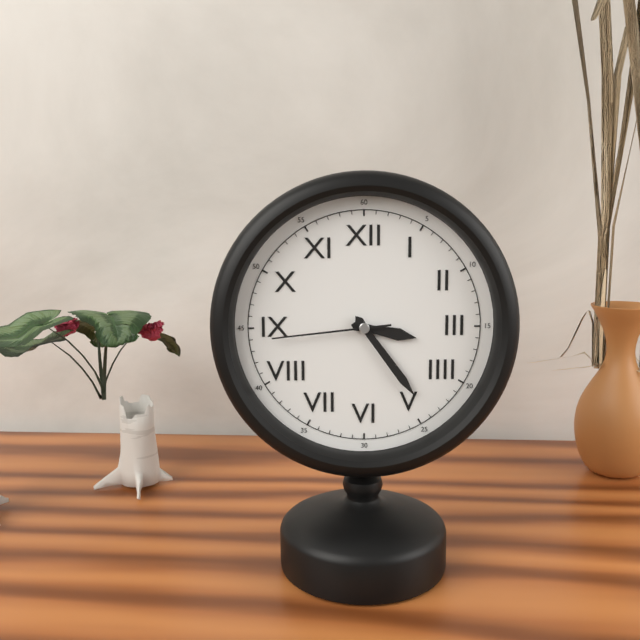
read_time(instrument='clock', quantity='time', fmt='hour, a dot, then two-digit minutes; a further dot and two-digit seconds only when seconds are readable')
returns 3.24.44
